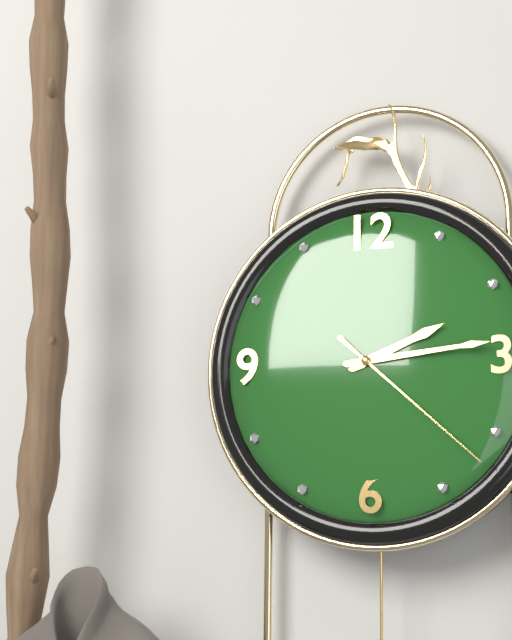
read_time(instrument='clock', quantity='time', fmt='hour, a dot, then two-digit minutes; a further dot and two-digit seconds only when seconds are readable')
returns 2.14.22
